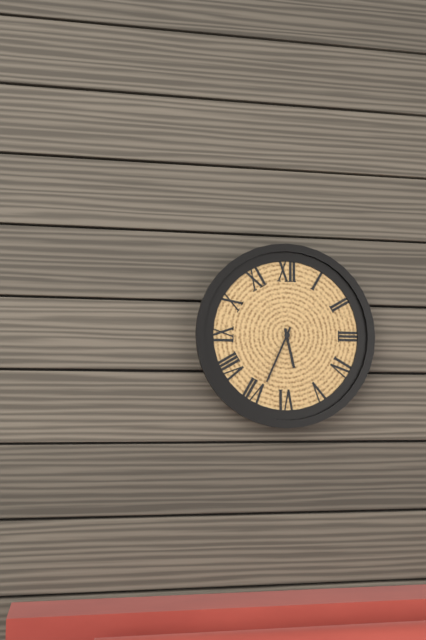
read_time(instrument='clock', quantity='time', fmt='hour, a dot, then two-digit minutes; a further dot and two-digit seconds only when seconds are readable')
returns 5.34
